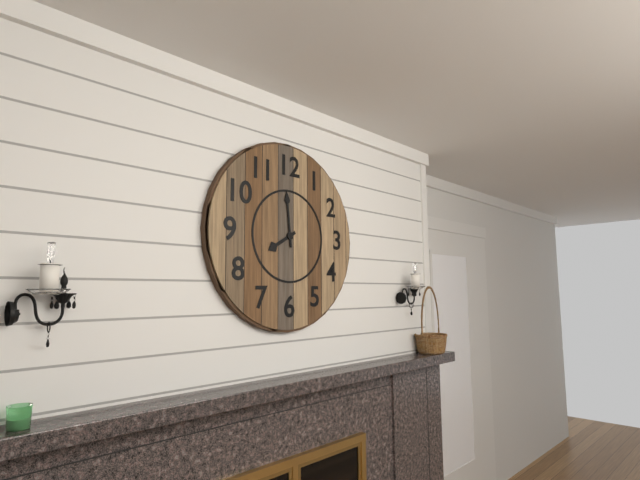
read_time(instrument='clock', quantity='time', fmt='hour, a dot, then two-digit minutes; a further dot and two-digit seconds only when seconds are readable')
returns 7.59
